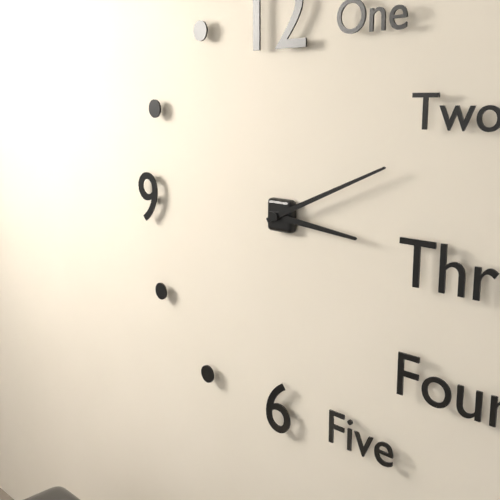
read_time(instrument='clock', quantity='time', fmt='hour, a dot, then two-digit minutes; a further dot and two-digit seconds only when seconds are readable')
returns 3.11
